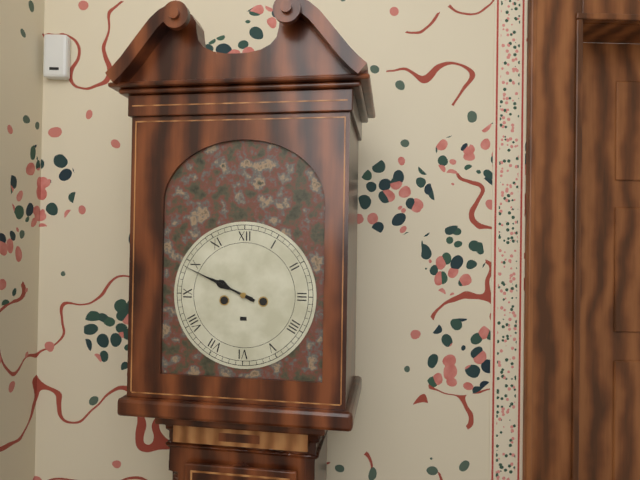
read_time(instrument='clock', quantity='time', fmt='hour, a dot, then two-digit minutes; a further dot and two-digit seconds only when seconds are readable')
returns 9.49
